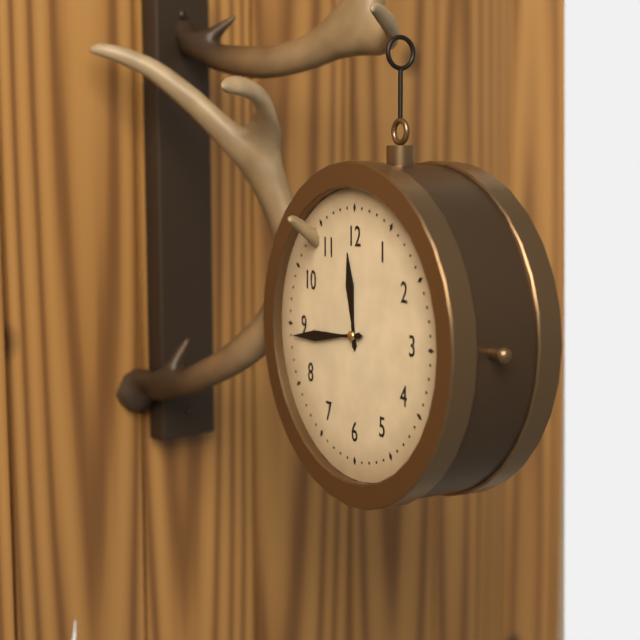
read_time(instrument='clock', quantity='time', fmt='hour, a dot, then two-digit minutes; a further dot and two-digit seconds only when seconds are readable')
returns 11.44
